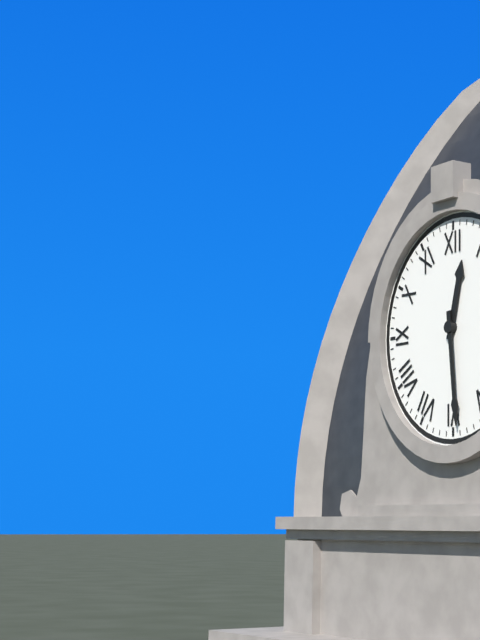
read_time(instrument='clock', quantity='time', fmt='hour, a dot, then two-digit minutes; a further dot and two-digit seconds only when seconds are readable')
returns 12.29
